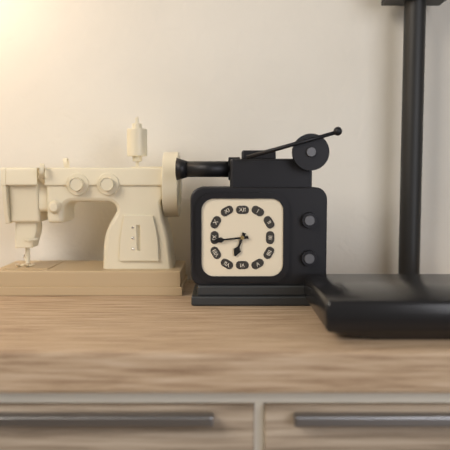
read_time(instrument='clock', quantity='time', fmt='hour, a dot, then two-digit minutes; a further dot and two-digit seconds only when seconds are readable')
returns 6.44
